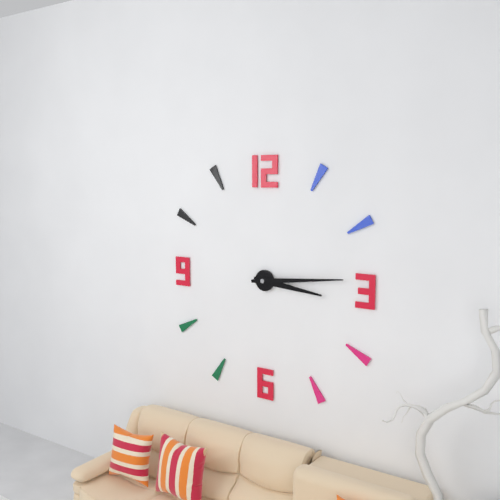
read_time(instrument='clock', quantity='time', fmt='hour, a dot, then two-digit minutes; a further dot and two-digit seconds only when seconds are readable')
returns 3.14
